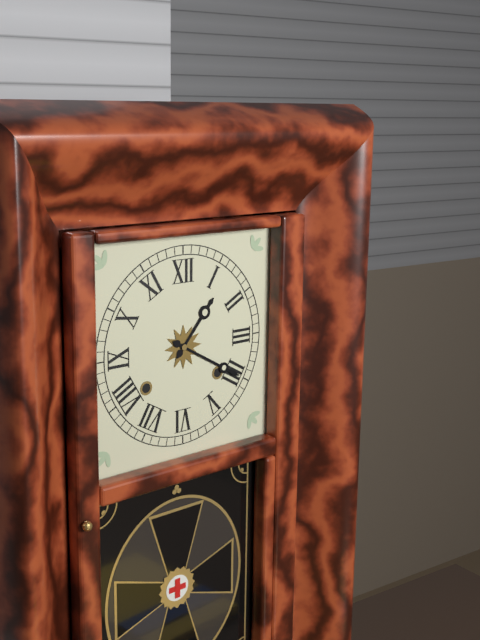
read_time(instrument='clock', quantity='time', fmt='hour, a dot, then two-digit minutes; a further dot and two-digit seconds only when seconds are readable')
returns 1.20
